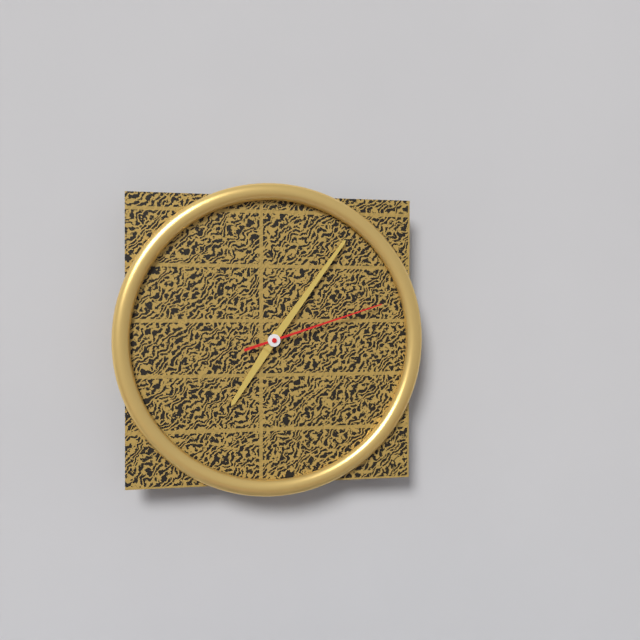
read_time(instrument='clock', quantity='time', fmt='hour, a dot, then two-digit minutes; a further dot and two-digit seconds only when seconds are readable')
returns 7.06.12
